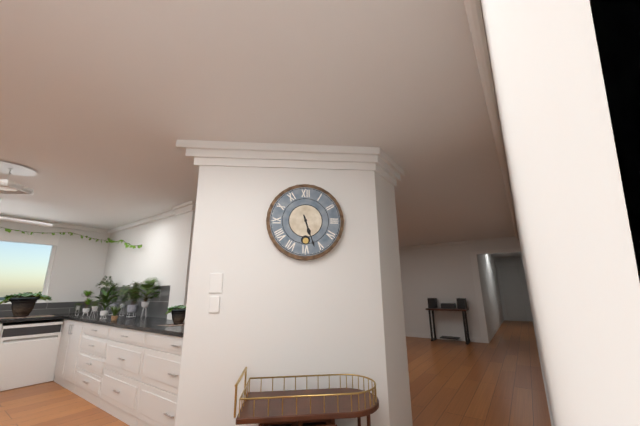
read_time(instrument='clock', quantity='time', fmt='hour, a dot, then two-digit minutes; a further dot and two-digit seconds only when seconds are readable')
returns 5.27
